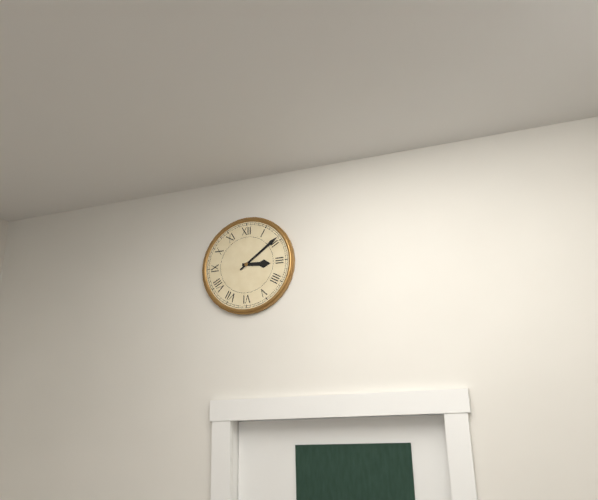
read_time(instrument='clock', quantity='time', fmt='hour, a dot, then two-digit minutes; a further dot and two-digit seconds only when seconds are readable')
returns 3.09
